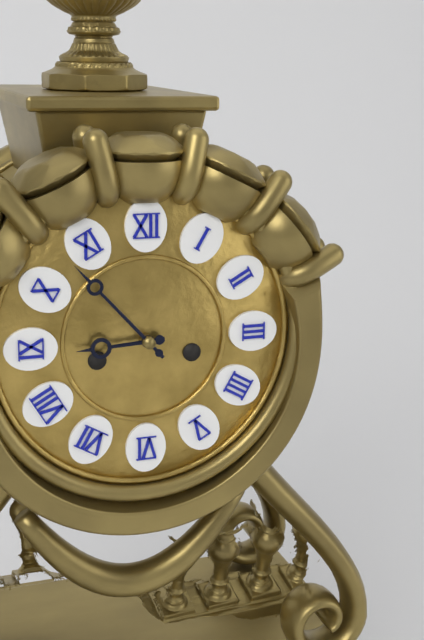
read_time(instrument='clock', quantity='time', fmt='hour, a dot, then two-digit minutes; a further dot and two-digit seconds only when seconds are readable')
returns 8.53
